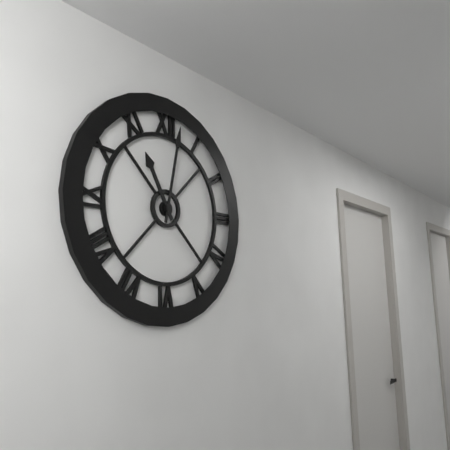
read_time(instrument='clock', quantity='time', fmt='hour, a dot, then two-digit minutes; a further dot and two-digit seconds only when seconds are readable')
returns 11.02
